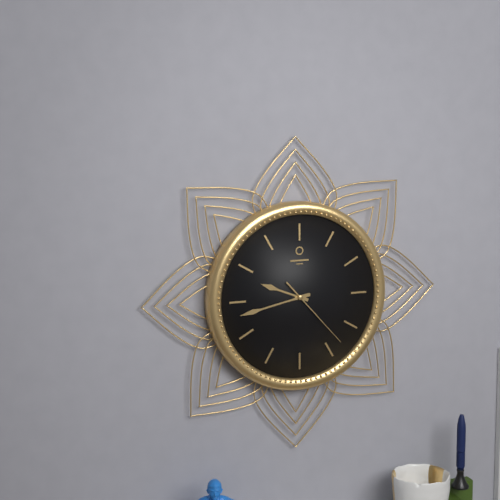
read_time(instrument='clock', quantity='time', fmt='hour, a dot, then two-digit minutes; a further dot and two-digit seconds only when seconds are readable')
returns 9.43.23
